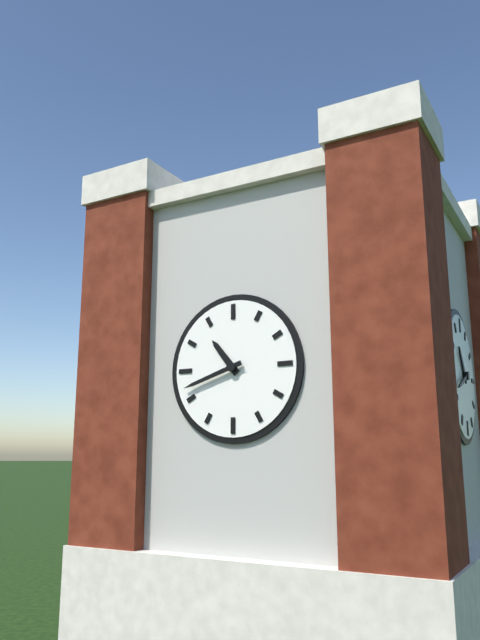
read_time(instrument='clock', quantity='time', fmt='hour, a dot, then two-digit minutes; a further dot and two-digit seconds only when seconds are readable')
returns 10.42
